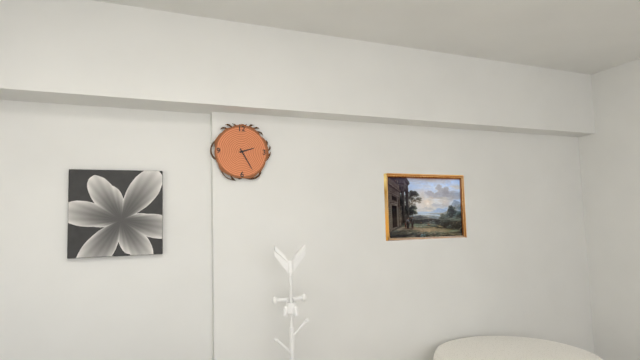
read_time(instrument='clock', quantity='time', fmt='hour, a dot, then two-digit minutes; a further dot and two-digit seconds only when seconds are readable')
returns 2.25
